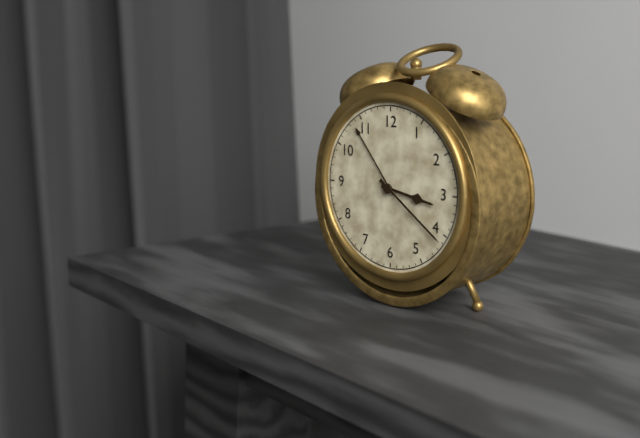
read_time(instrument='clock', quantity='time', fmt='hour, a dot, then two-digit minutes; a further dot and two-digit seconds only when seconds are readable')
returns 3.21
